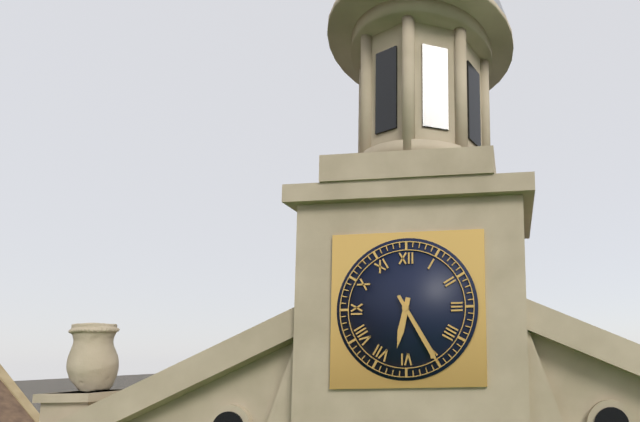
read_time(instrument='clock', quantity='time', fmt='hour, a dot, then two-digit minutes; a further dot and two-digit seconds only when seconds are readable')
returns 6.25
